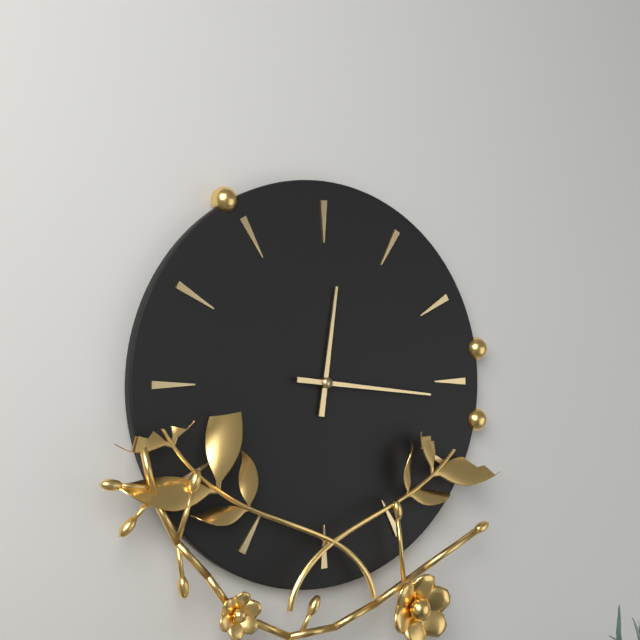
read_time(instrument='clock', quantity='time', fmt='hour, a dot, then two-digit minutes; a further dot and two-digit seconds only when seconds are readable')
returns 12.16
